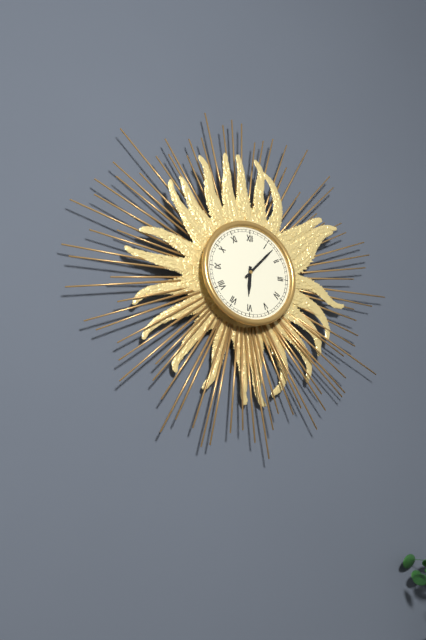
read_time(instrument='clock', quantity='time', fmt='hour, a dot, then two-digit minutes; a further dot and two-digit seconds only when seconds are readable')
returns 6.07
